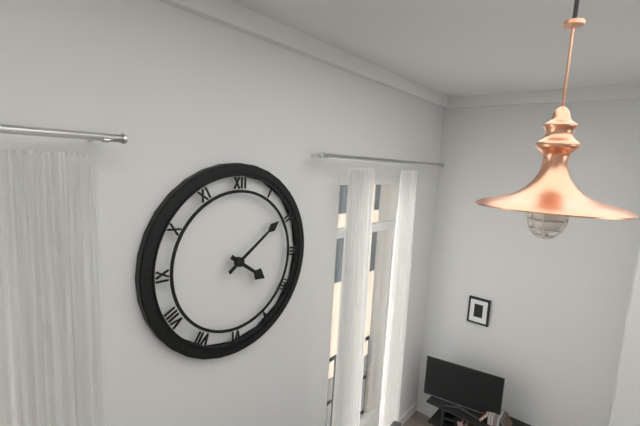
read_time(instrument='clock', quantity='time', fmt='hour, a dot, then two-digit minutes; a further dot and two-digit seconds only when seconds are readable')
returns 4.09
